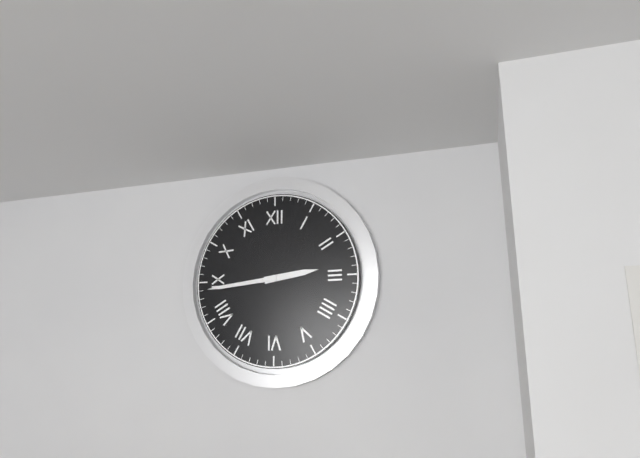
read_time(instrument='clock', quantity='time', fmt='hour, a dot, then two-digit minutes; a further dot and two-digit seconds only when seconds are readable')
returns 2.44
